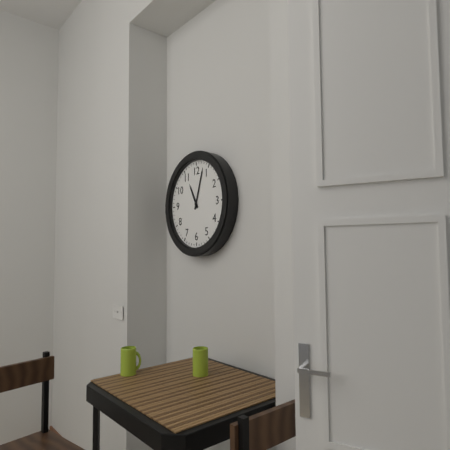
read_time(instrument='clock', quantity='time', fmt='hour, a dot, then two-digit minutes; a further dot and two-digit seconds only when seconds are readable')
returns 11.03
